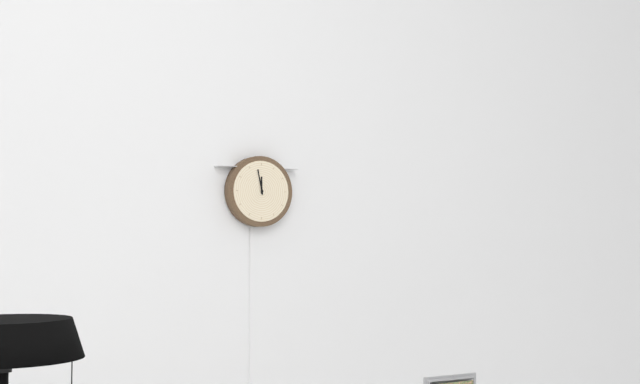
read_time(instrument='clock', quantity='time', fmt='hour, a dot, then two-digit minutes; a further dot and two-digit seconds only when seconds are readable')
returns 11.58
